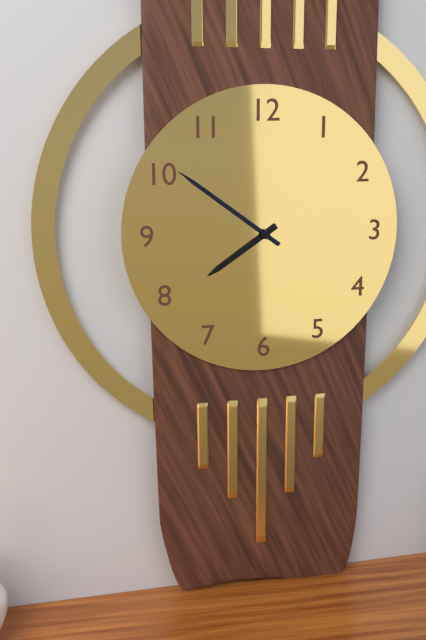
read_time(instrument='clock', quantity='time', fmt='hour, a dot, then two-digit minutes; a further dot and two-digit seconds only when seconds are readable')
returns 7.51
